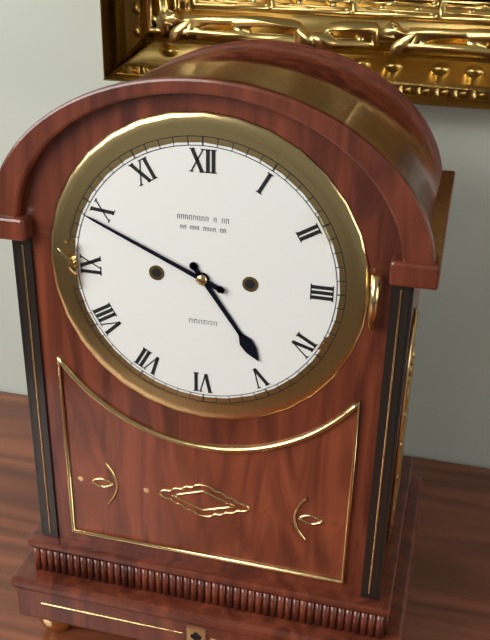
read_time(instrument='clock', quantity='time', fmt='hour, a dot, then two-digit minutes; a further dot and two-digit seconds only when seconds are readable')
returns 4.49
